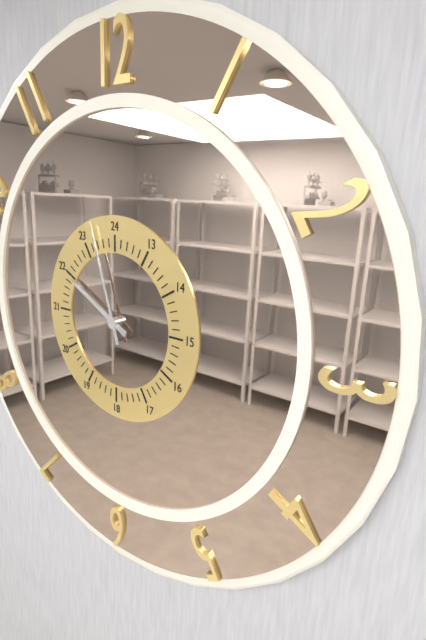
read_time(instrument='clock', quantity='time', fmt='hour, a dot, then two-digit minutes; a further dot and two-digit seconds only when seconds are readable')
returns 9.57
